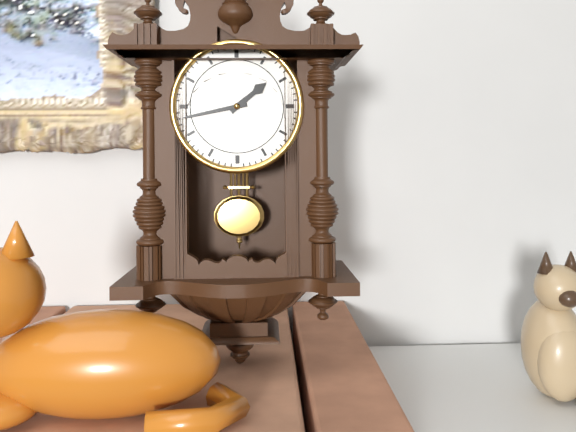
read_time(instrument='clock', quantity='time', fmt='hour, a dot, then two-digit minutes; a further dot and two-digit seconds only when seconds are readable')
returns 1.43
